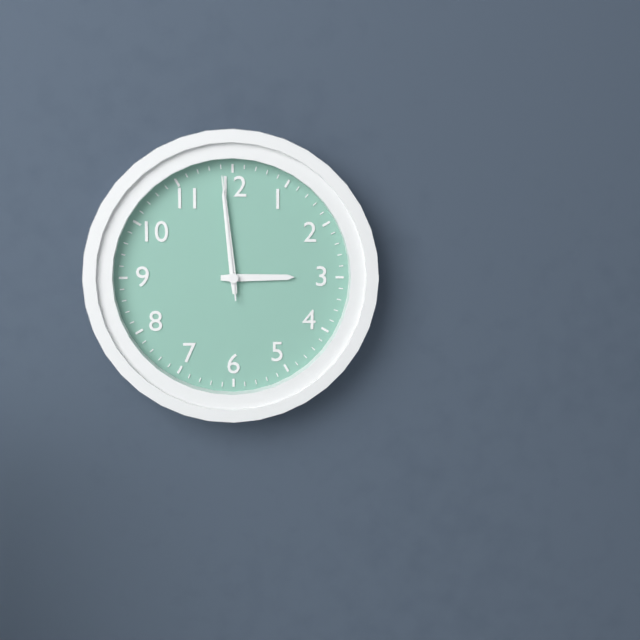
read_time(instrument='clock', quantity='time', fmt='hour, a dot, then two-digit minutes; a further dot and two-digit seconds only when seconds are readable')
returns 2.59.59
